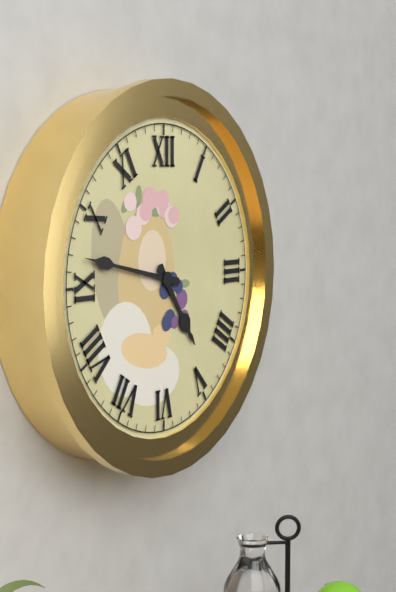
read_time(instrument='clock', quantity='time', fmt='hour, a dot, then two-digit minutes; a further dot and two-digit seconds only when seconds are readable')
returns 4.47
